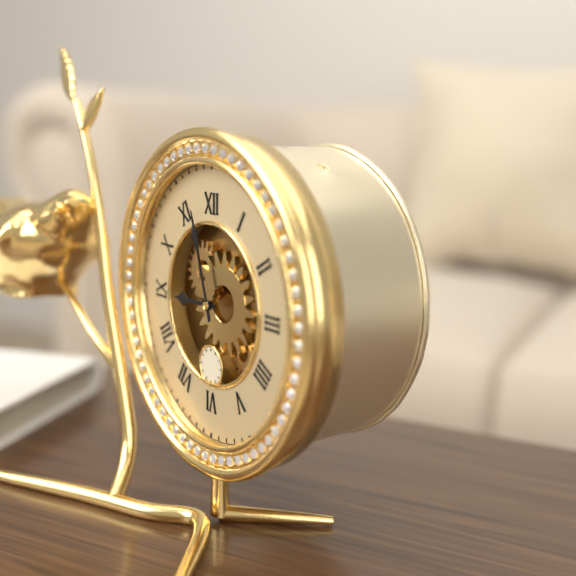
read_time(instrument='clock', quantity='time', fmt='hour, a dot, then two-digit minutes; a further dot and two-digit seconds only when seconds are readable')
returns 8.57
